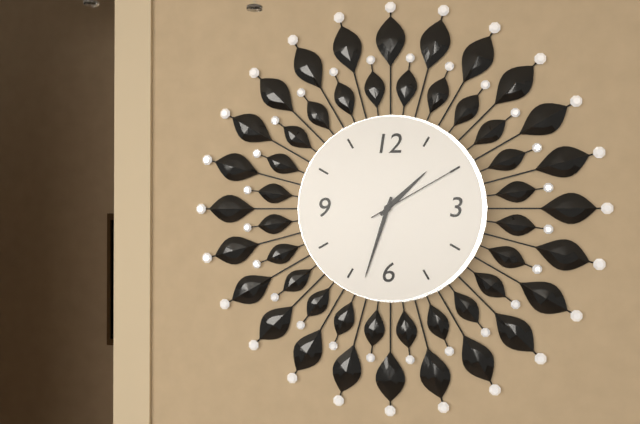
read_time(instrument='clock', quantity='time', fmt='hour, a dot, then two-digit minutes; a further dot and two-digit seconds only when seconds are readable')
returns 1.33.10
